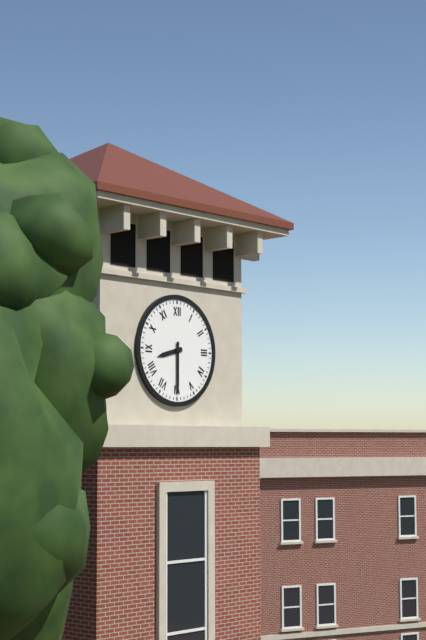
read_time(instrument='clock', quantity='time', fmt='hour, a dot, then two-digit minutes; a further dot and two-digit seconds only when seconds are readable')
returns 8.30
